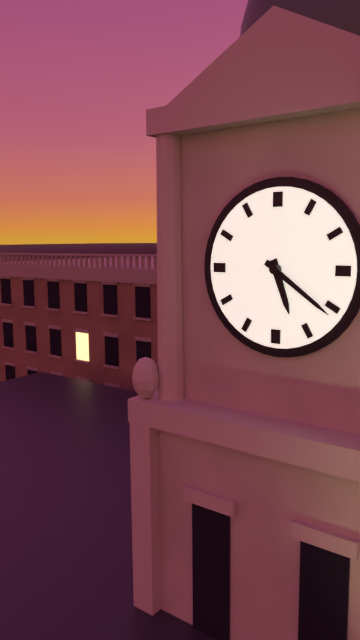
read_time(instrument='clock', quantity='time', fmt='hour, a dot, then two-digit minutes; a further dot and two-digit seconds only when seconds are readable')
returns 5.21
